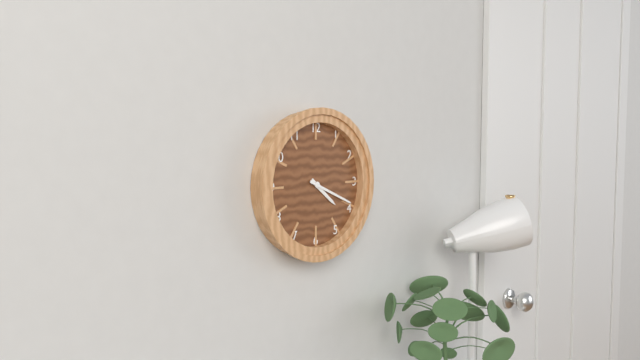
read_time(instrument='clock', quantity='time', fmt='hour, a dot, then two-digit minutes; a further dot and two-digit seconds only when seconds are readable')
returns 4.19
